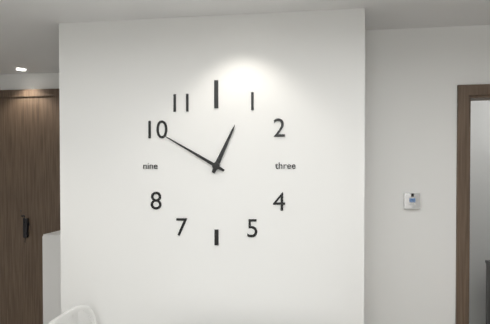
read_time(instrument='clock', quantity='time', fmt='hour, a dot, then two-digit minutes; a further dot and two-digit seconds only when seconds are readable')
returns 12.50
